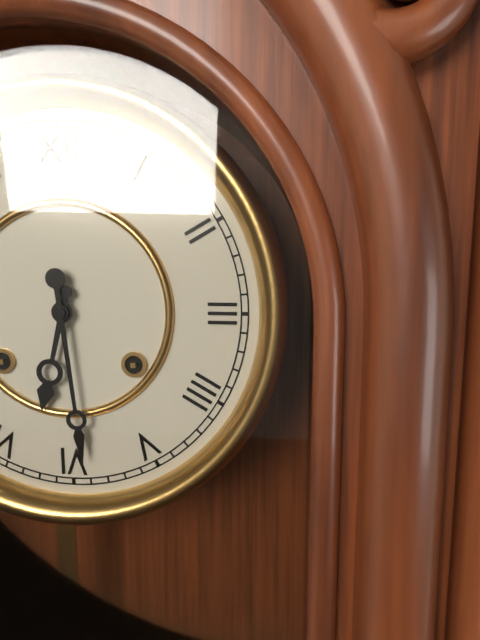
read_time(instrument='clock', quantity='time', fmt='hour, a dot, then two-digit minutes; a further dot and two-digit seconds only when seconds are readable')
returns 6.29
